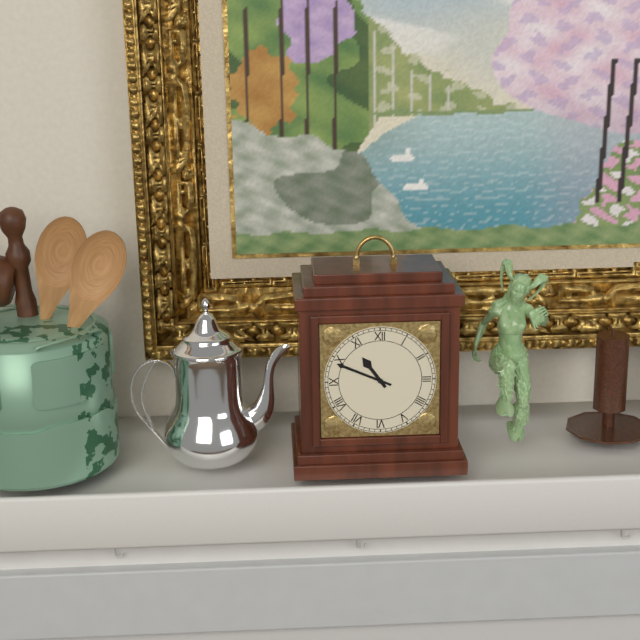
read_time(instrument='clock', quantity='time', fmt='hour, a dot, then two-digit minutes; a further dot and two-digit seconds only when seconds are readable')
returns 10.49
